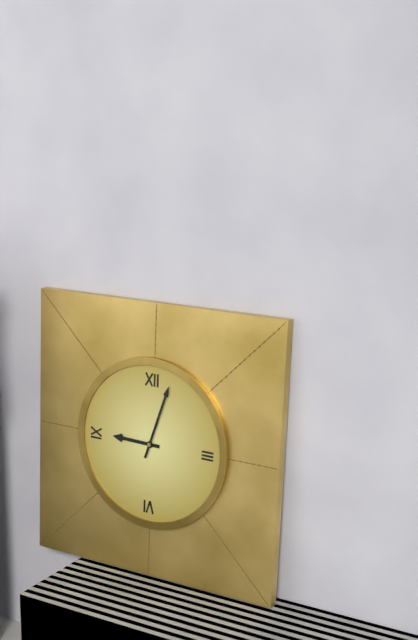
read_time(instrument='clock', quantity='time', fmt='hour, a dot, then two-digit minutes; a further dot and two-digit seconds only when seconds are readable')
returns 9.03
